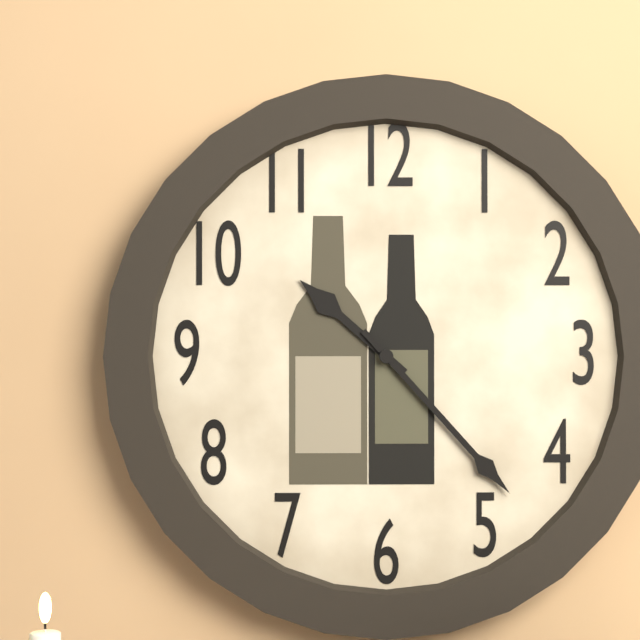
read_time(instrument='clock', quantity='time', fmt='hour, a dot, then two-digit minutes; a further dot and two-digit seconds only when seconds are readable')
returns 10.23
